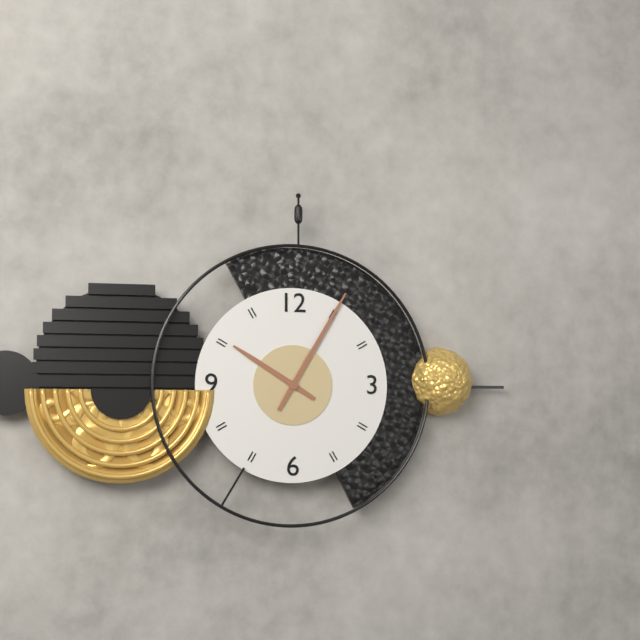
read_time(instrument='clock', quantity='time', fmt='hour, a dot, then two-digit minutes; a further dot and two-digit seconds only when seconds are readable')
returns 10.05
